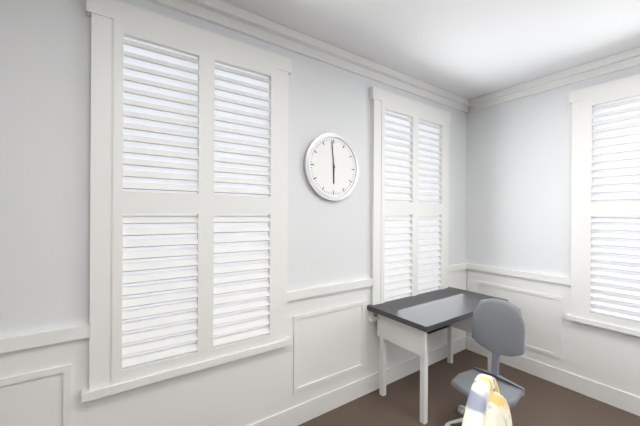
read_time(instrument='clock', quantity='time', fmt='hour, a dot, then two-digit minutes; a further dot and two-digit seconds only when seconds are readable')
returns 5.59
